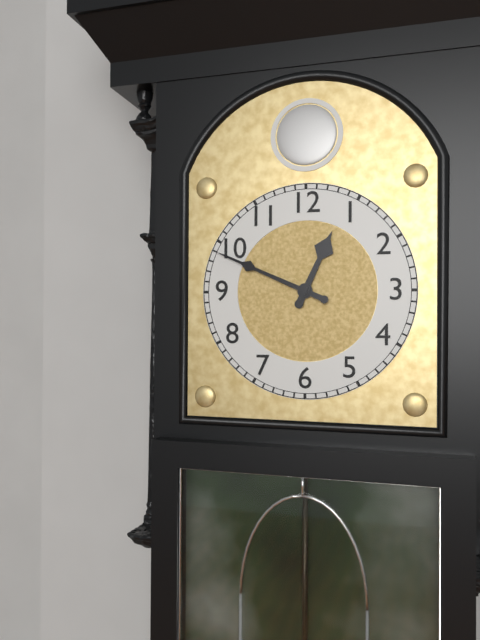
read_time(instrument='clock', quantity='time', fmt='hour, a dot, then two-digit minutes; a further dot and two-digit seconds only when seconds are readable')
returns 12.49
